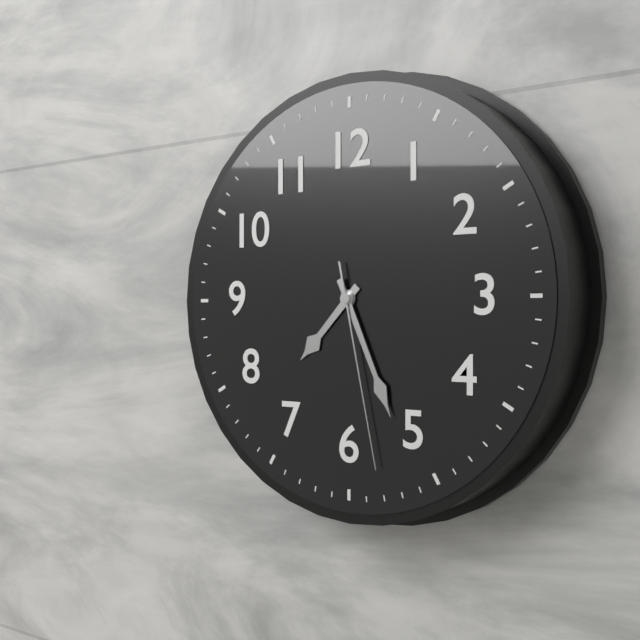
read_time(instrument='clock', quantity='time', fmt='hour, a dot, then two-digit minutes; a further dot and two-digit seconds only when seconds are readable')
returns 7.26.28
